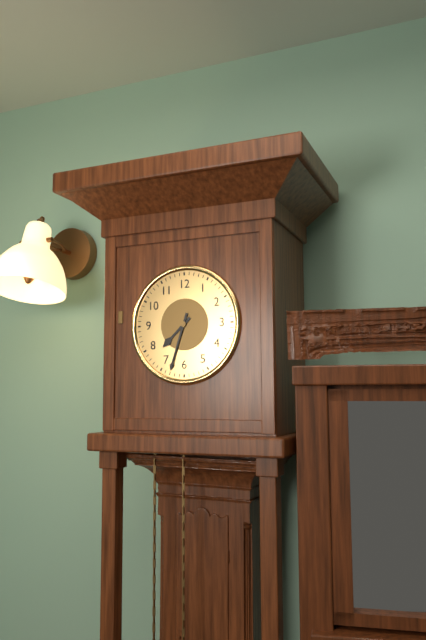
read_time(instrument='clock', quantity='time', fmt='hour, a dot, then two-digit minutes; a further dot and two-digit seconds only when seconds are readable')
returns 7.33
